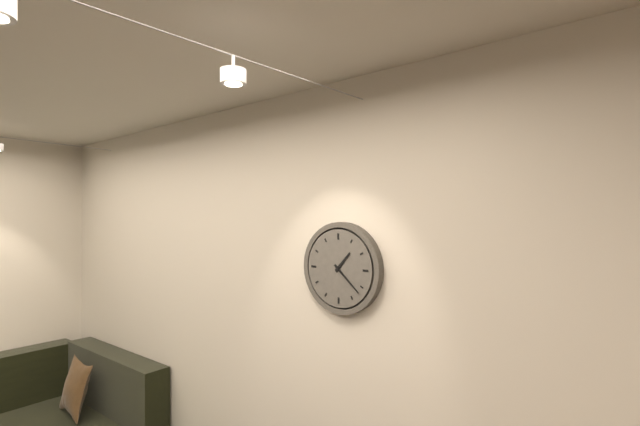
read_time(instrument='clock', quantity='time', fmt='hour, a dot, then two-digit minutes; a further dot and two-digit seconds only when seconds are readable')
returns 1.22
